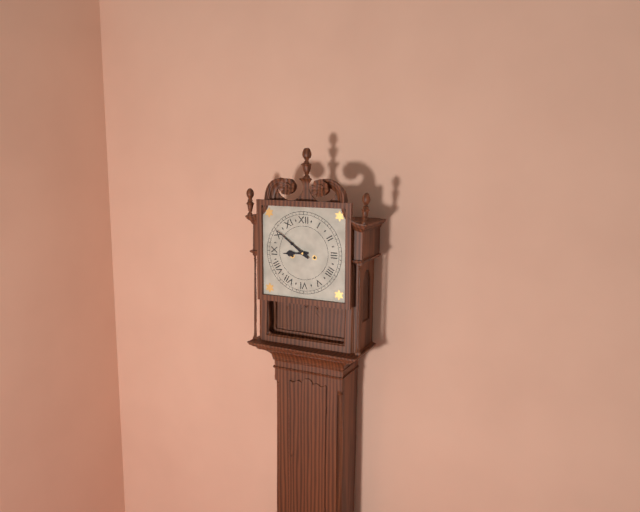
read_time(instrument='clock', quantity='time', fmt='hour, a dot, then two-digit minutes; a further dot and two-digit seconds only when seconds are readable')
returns 8.51
